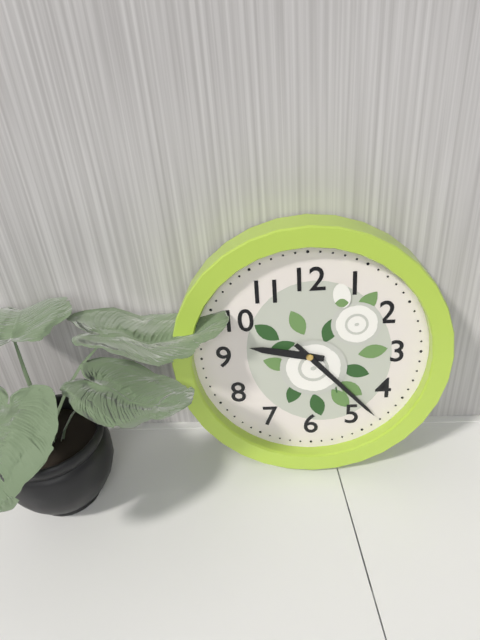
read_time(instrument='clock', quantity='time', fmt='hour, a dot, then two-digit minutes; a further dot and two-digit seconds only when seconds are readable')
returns 9.23
